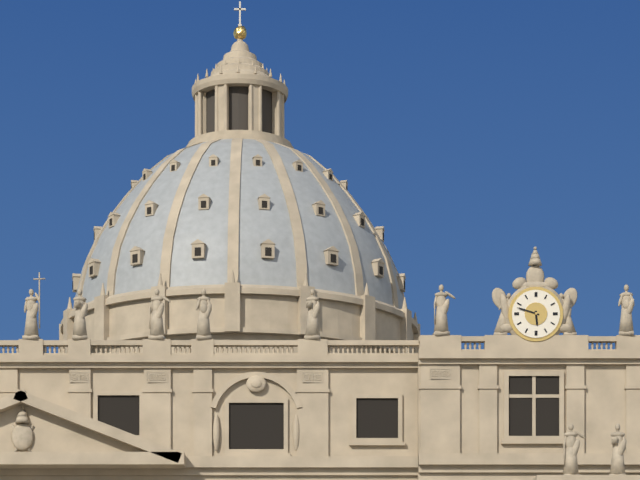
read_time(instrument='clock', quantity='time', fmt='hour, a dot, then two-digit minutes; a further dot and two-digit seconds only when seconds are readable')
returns 5.48
